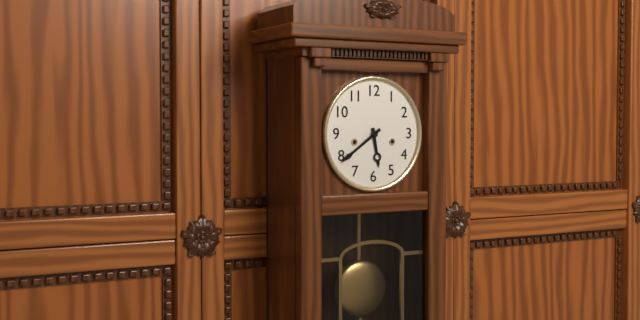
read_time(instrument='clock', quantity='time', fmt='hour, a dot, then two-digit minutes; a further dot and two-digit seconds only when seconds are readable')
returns 5.39
